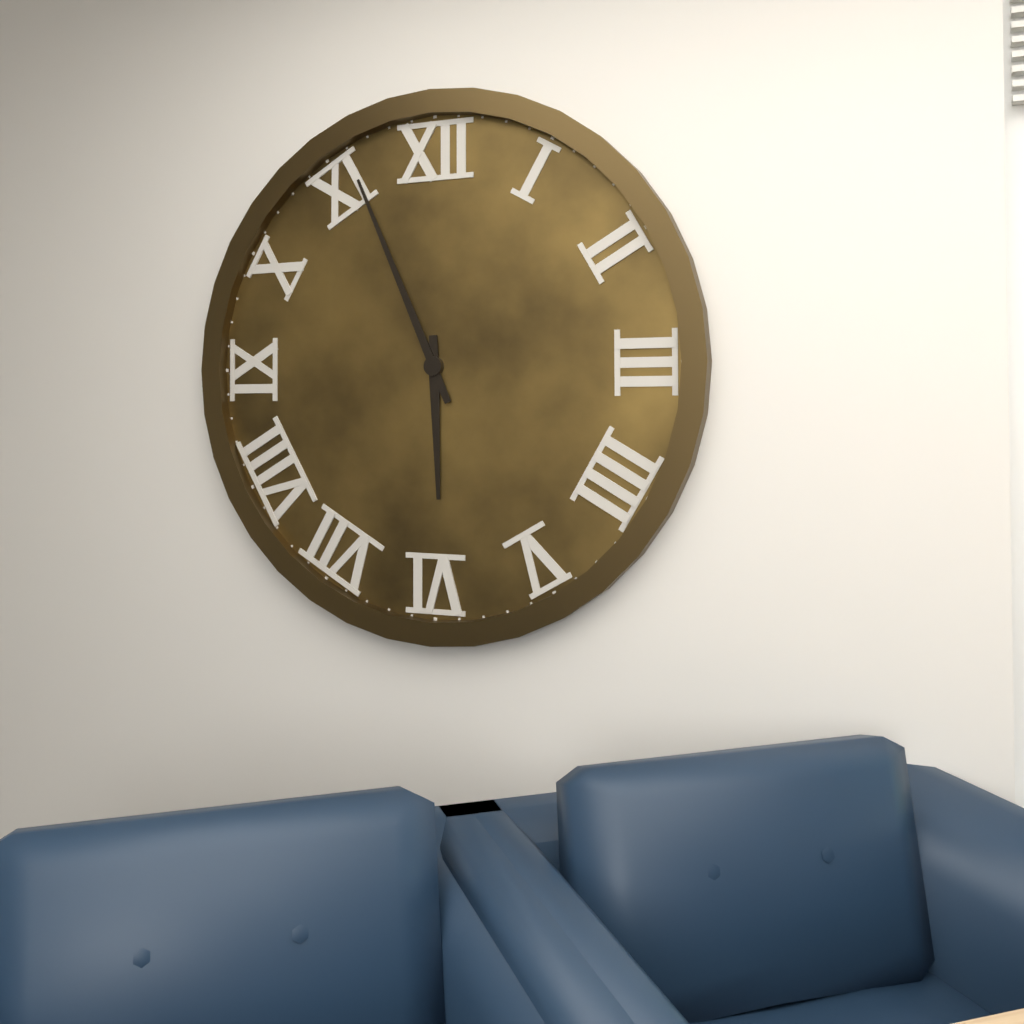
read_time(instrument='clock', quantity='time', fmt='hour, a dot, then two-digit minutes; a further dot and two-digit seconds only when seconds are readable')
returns 5.56
